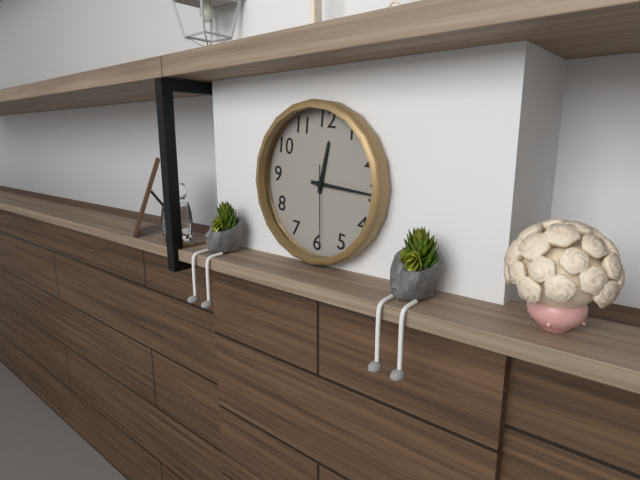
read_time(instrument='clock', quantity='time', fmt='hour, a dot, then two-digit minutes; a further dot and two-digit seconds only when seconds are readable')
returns 12.15.29
